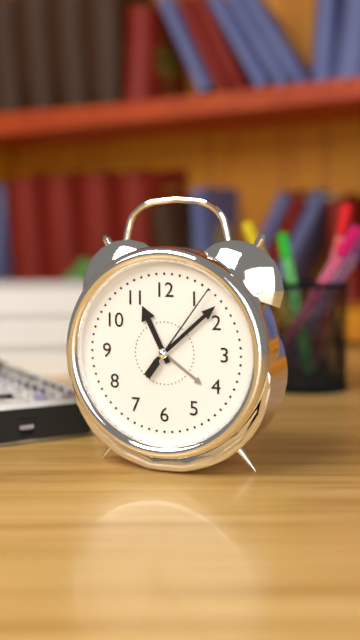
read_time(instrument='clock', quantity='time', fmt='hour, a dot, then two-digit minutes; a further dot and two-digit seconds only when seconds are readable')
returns 11.08.06
